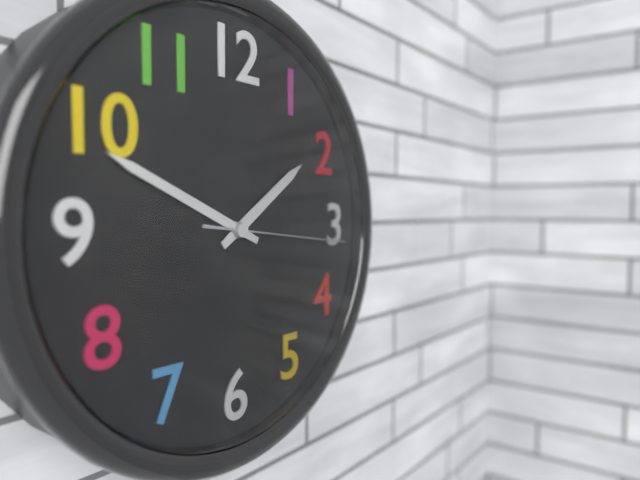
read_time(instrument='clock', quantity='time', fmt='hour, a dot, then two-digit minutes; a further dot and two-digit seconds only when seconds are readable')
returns 1.49.16
